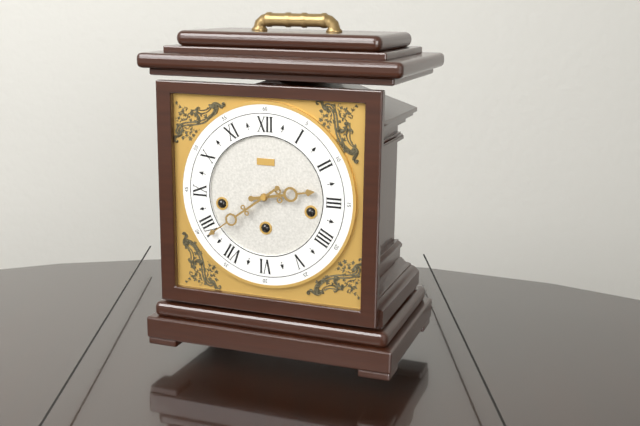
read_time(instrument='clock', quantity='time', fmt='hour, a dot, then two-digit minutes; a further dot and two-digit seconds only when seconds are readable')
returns 2.39
